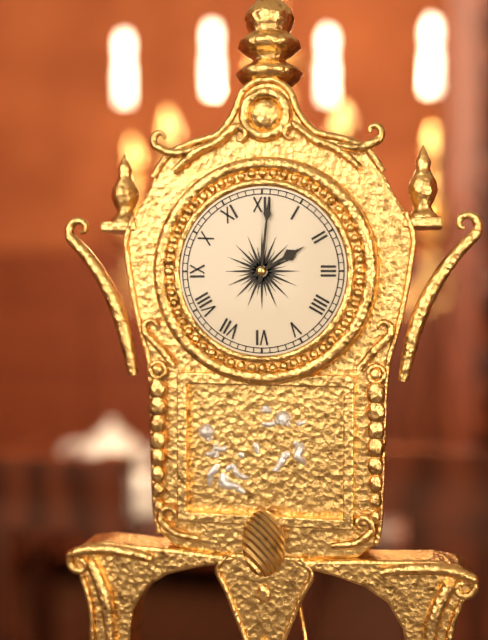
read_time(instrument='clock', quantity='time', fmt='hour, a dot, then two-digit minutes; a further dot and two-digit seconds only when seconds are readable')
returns 2.01
